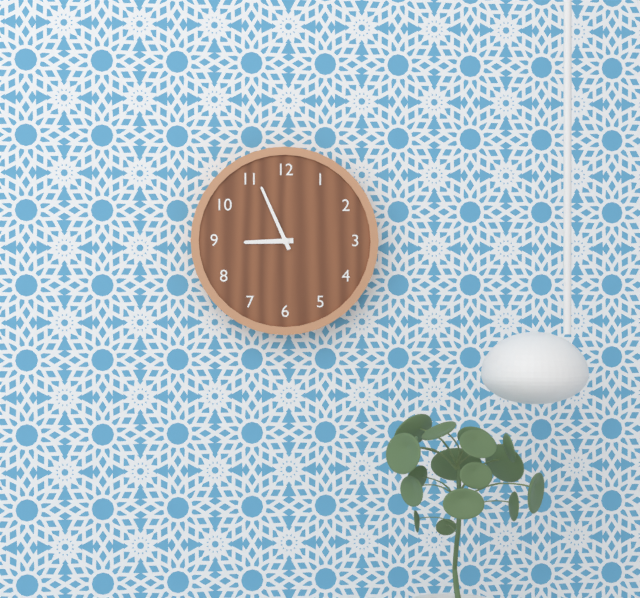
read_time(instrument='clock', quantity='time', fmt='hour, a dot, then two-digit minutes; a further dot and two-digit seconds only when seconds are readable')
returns 8.56
